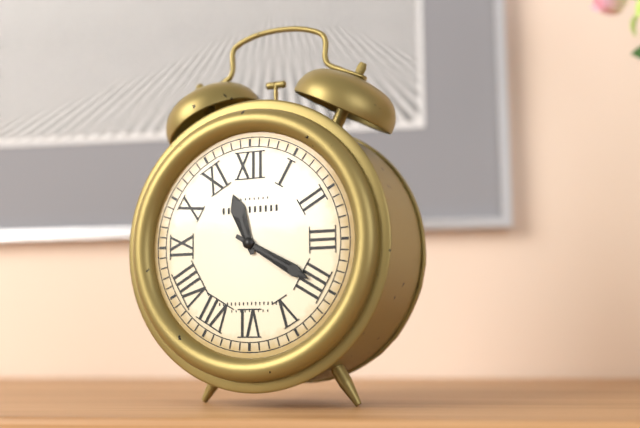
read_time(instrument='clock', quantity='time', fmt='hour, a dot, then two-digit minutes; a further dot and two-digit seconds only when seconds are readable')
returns 11.20
